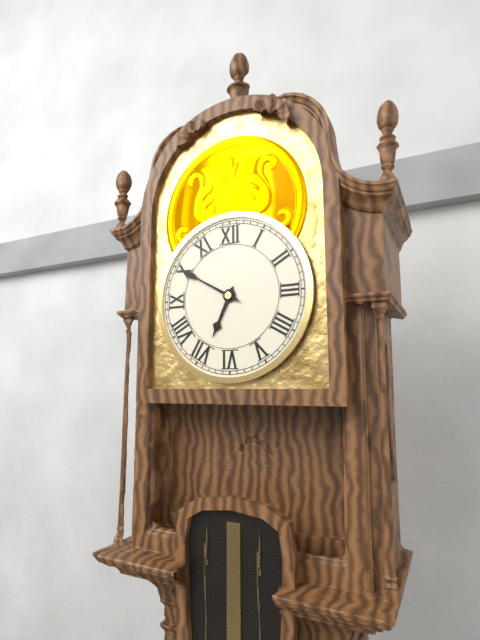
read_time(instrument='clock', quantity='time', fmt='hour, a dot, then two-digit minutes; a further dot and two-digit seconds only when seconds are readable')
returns 6.50
